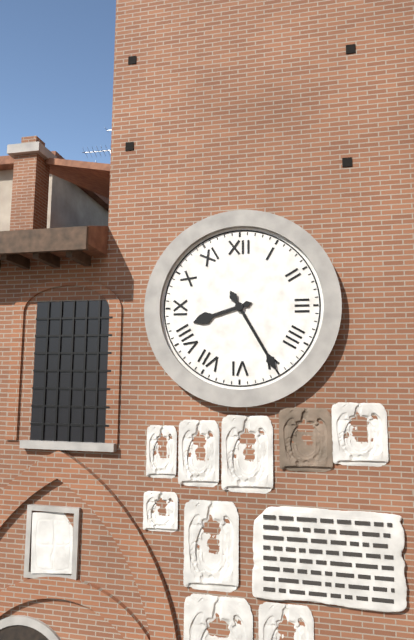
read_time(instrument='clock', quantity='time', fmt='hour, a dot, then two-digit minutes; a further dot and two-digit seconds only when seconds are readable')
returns 8.25
